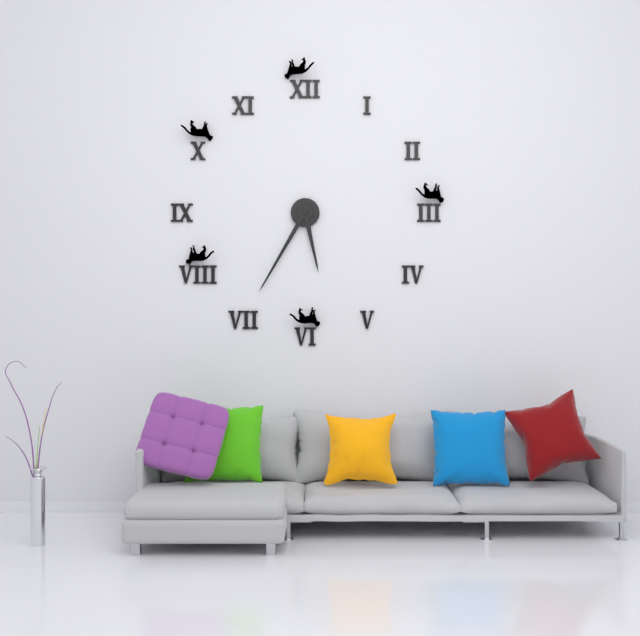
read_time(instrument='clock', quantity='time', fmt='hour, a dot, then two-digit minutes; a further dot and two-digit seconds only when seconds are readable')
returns 5.35
